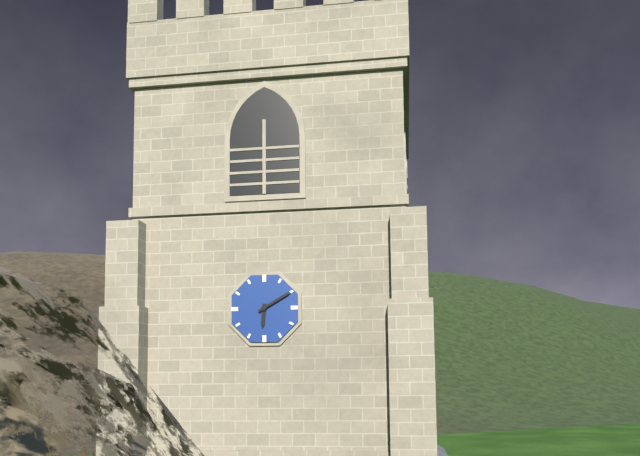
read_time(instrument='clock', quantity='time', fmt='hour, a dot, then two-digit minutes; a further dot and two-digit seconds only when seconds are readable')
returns 6.10
